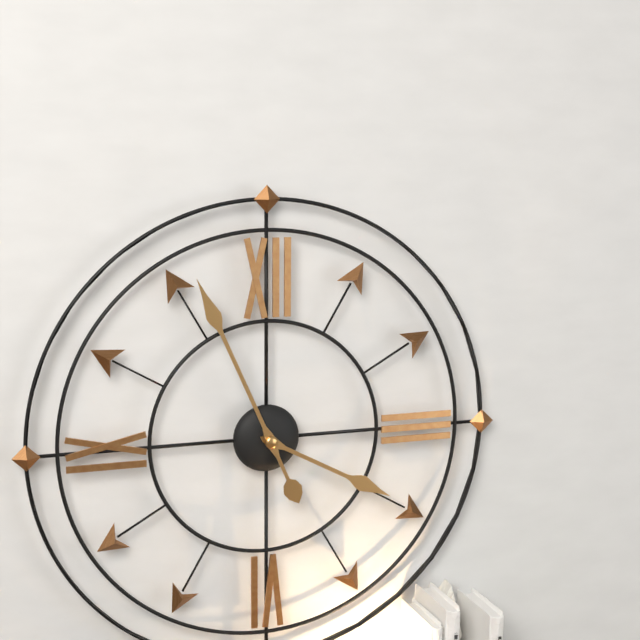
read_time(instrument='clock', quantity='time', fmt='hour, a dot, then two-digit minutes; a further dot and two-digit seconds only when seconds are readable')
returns 3.56
